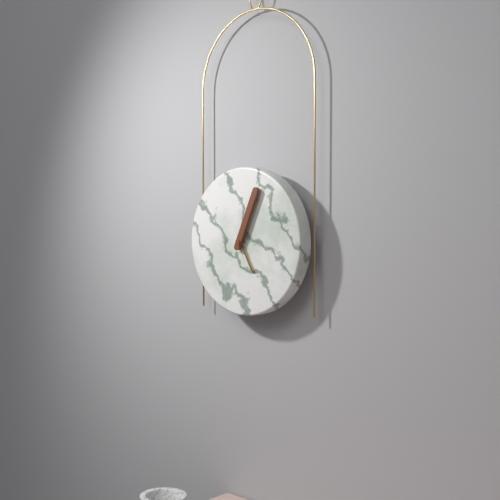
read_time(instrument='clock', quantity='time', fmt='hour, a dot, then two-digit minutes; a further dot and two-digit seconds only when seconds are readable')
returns 5.04
